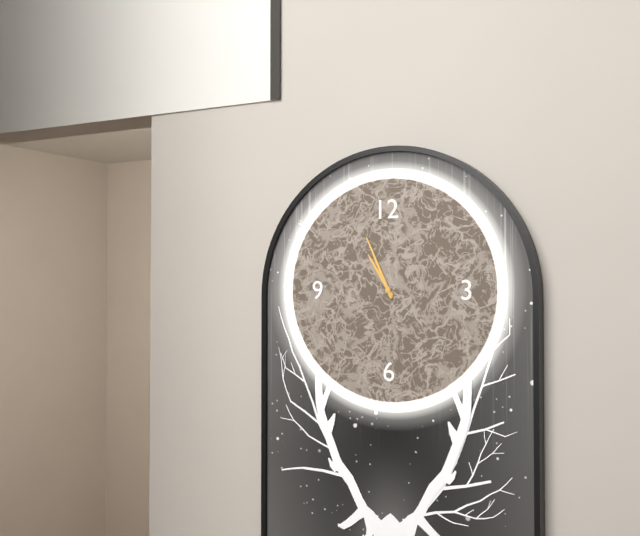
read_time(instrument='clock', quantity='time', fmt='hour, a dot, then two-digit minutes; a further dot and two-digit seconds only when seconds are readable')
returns 10.56
